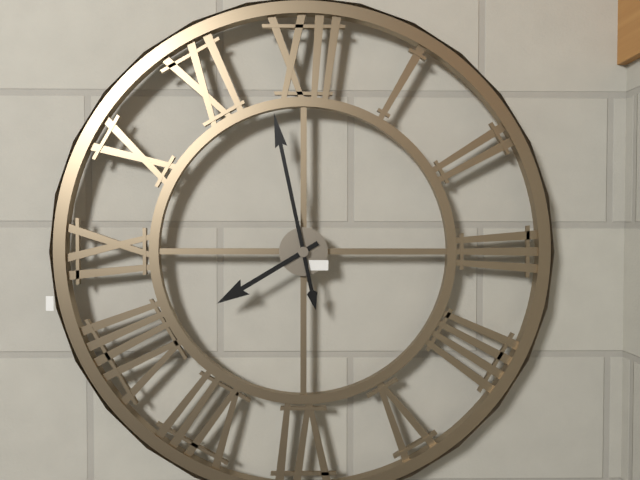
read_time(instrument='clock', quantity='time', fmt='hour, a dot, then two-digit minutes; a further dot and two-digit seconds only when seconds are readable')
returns 7.58
